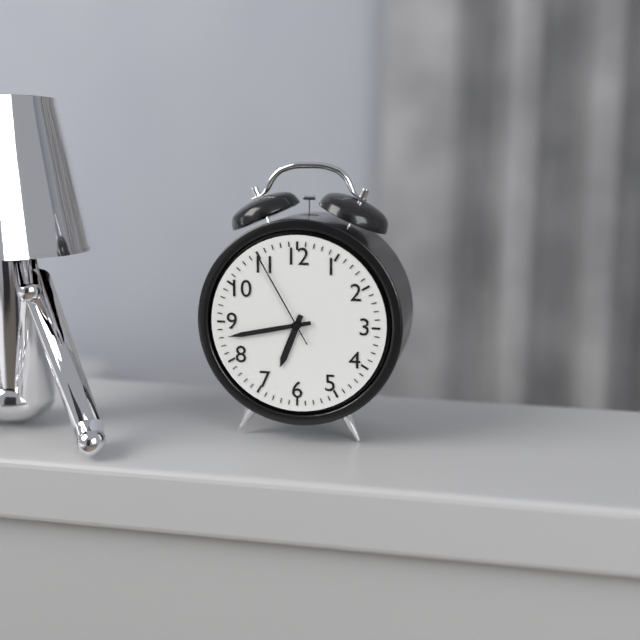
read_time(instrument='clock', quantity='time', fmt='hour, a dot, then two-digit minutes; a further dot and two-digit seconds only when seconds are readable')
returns 6.43.55
